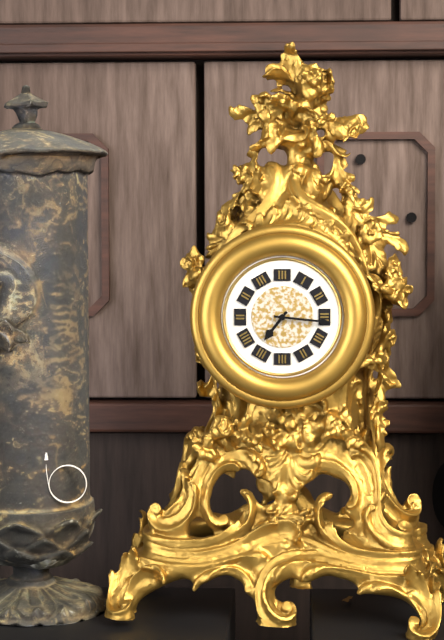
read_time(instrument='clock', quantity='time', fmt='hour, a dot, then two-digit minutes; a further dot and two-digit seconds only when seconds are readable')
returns 7.16
